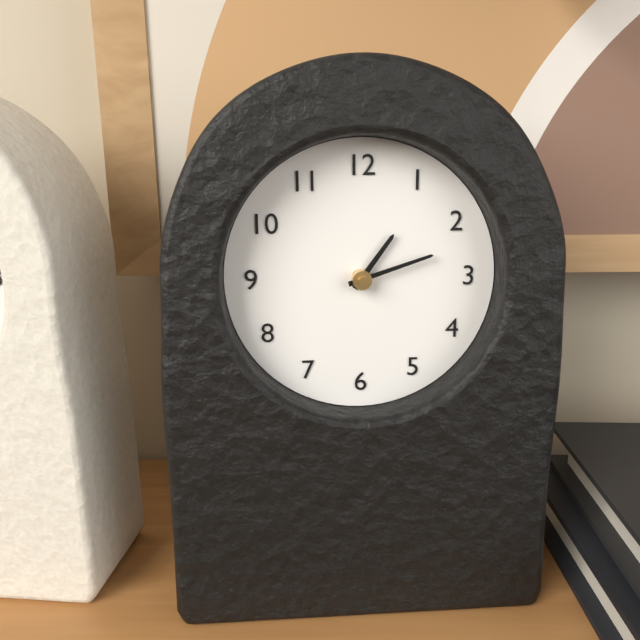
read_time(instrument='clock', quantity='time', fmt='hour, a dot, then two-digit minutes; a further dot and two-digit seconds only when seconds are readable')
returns 1.12
